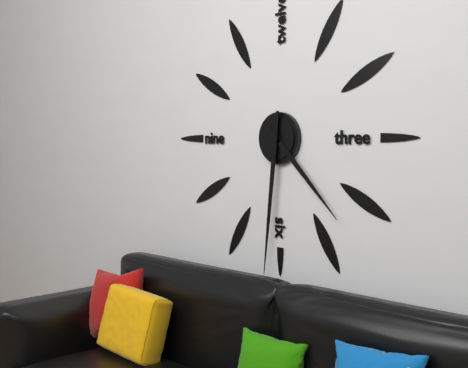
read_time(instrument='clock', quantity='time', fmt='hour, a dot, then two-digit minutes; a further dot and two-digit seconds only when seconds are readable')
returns 4.31
